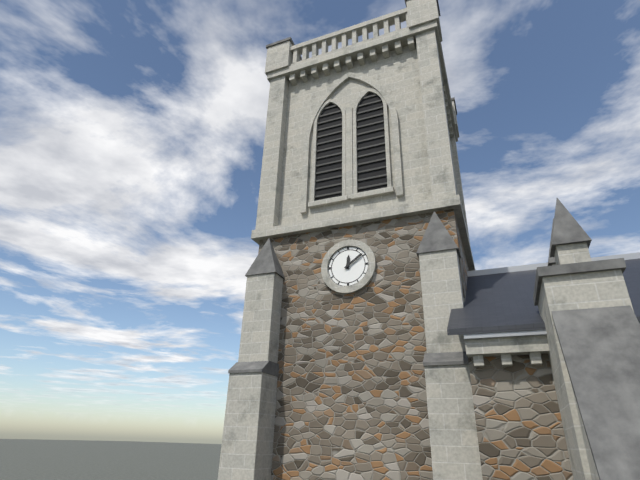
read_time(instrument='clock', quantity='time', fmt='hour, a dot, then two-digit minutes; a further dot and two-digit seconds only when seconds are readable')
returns 12.09
